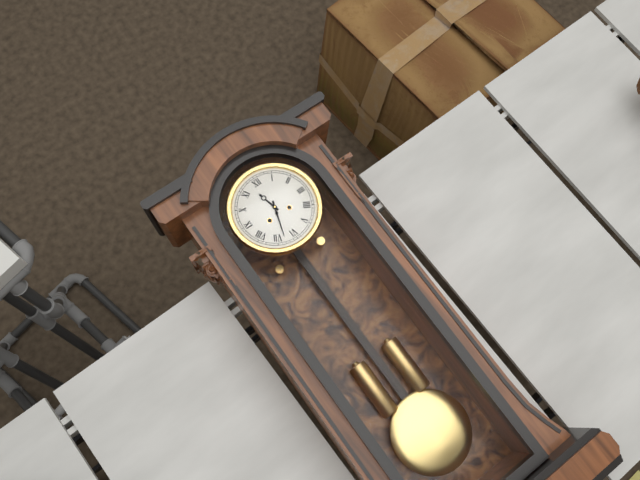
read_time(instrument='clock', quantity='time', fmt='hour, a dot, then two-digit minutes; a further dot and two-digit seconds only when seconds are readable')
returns 11.33
